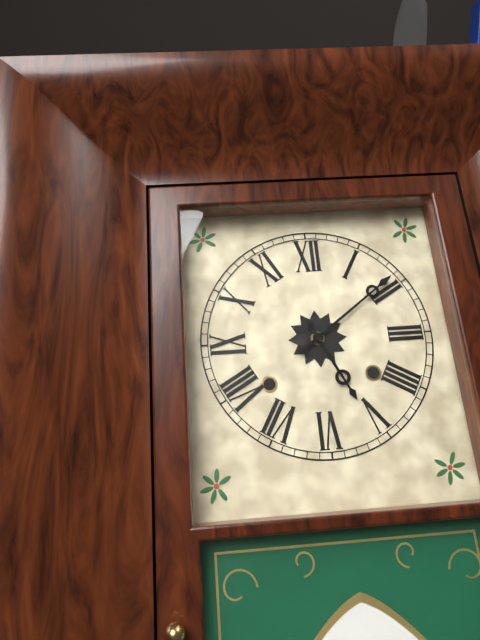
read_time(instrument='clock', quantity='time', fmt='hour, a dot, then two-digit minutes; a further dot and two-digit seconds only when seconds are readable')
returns 5.09
